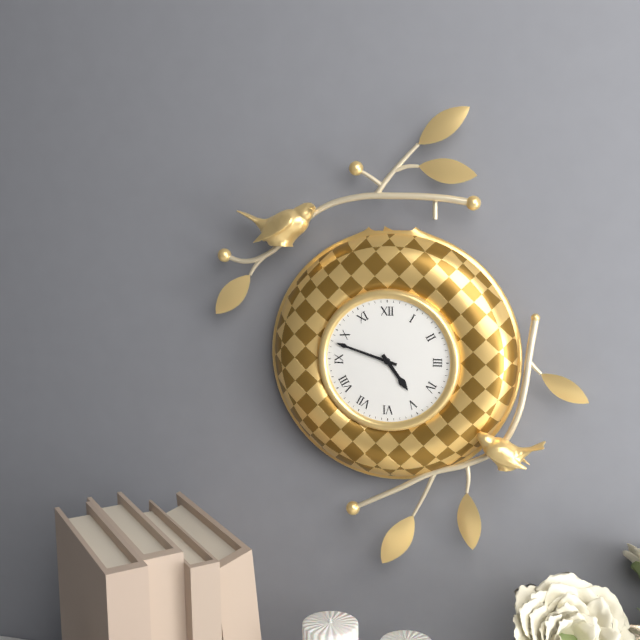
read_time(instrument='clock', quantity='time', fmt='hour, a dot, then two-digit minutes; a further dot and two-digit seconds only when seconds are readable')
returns 4.48
